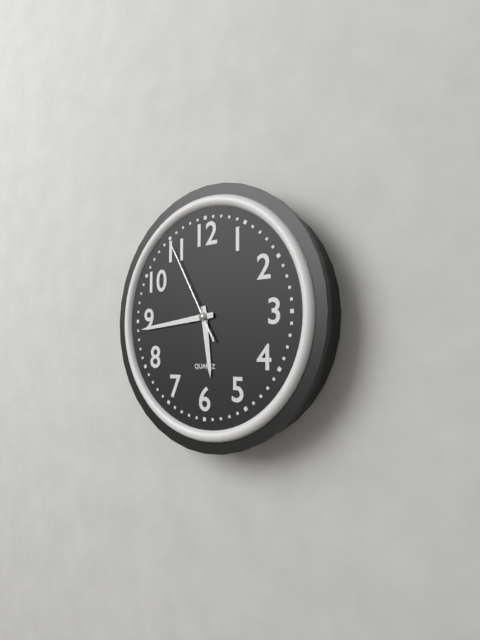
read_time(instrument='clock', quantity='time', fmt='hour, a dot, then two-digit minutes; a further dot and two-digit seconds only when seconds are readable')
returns 5.44.55
